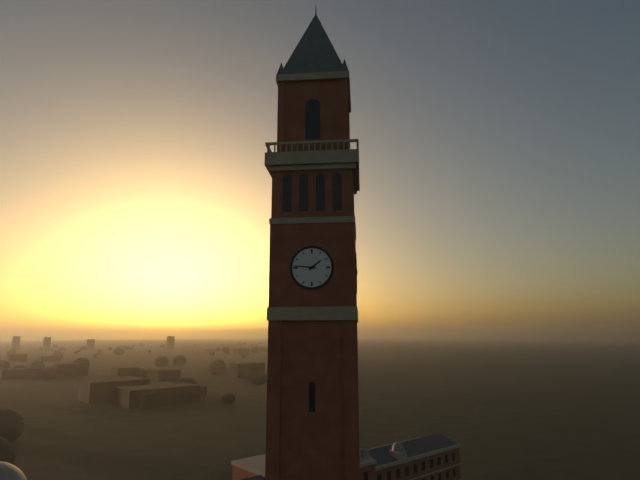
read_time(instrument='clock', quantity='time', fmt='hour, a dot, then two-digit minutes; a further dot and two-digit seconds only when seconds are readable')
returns 1.46
